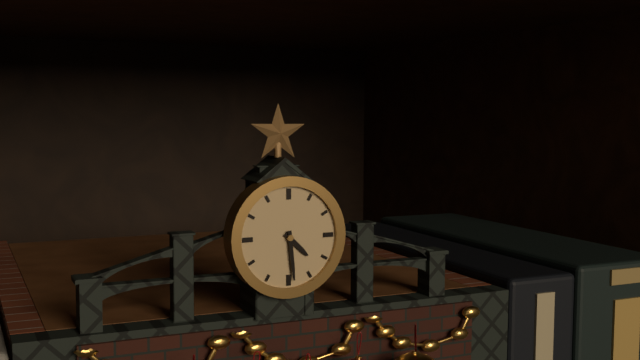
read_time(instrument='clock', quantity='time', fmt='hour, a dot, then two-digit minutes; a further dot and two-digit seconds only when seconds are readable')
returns 4.29
